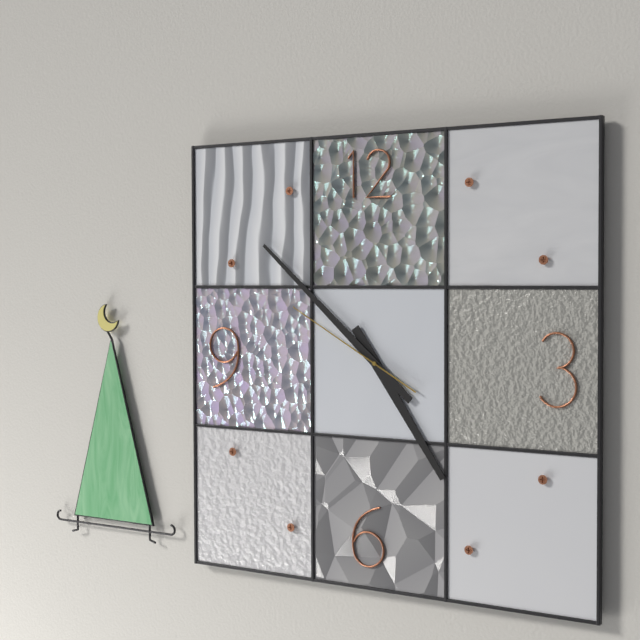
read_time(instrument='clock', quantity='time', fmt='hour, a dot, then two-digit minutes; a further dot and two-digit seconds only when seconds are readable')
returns 4.52.50
